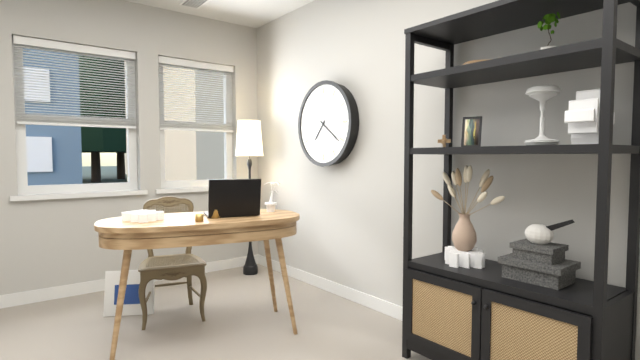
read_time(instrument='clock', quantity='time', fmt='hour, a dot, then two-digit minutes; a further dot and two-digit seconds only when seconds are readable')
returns 7.21
